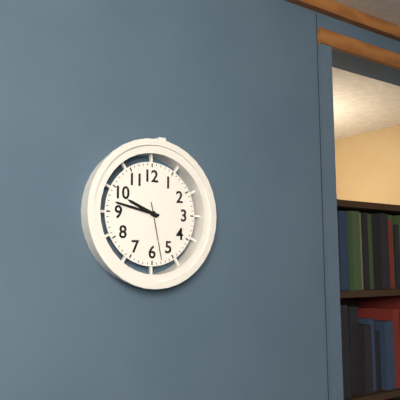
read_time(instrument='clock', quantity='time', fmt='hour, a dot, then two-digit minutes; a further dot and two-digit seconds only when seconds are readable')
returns 9.47.28
